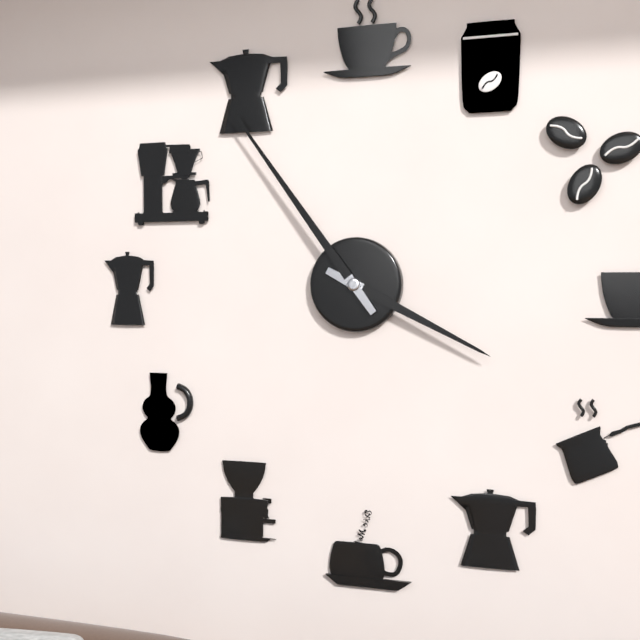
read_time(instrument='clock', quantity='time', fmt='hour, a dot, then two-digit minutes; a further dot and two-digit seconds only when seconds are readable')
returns 3.54
